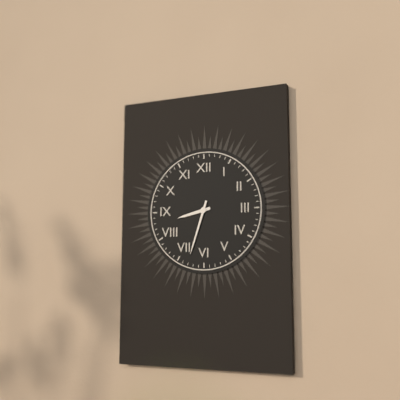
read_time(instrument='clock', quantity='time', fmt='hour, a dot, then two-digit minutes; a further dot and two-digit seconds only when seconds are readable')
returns 8.33
